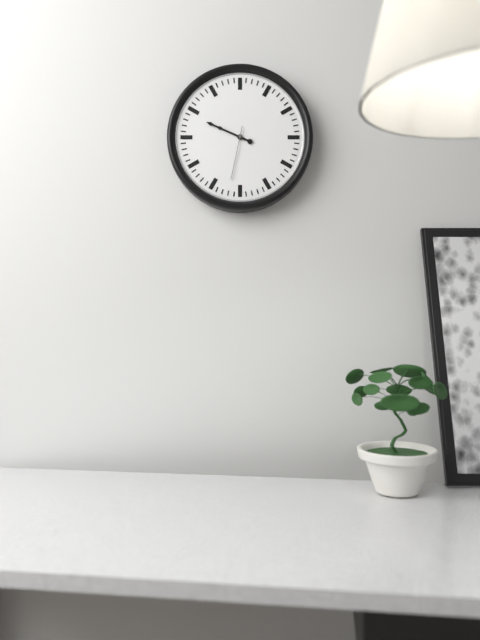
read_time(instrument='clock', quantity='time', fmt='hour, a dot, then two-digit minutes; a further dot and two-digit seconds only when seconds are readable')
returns 9.49
